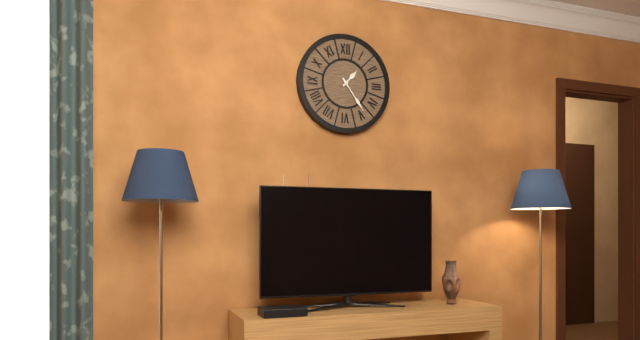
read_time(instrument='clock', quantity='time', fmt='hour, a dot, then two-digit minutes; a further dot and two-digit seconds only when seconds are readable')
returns 1.24
